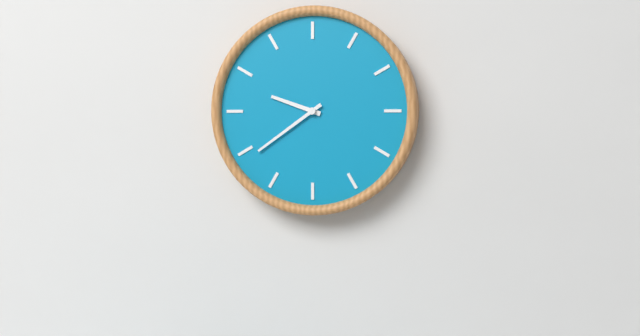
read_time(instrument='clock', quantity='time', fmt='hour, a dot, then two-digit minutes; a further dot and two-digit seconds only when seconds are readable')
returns 9.39
